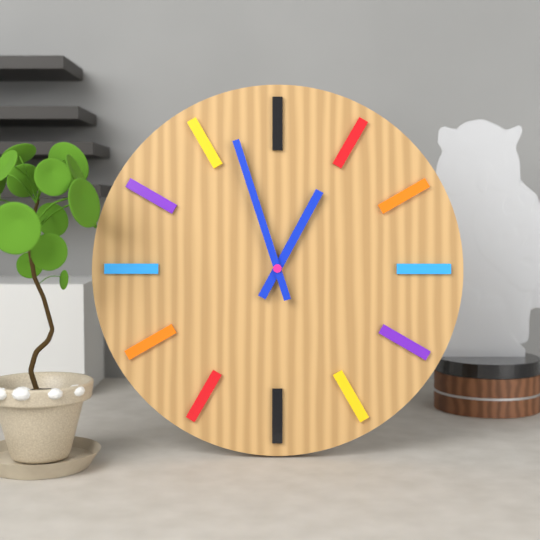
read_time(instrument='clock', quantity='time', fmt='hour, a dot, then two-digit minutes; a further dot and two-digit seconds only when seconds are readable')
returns 12.57
